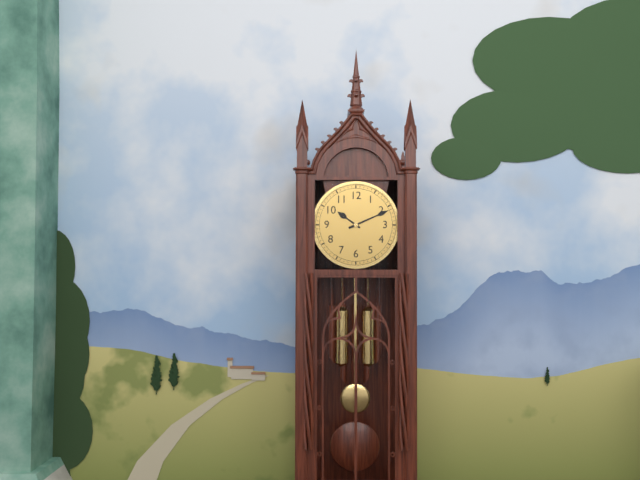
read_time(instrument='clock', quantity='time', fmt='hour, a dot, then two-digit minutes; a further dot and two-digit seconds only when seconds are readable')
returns 10.11
